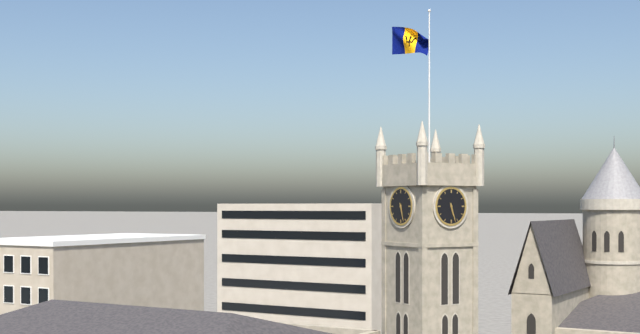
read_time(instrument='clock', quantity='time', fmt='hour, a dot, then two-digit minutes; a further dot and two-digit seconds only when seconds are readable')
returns 5.27
